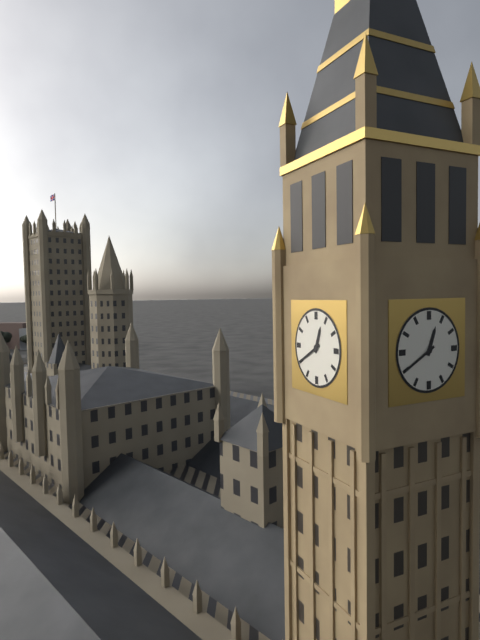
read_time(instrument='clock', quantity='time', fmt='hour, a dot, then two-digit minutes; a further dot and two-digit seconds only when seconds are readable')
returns 12.40
